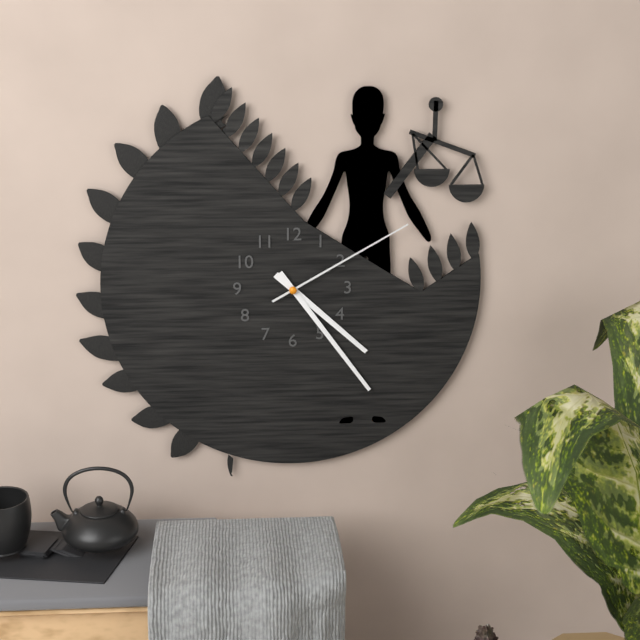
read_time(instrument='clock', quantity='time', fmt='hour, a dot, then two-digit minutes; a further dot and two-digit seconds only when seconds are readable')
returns 4.24.10
